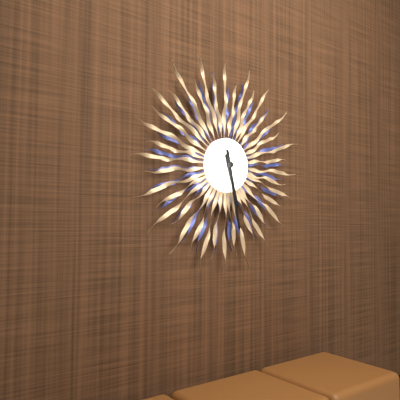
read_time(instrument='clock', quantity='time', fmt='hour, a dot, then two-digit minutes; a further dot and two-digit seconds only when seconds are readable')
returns 5.28
